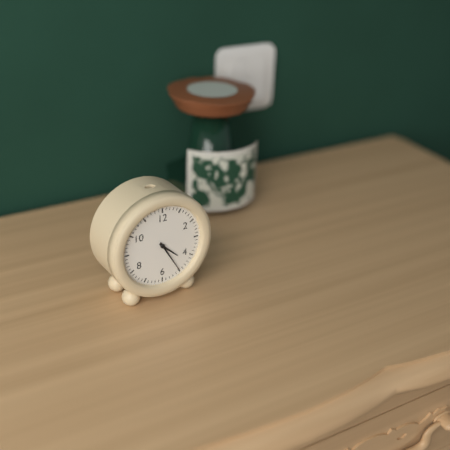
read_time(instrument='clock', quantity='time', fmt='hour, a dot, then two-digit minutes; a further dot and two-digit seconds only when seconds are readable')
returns 4.25
